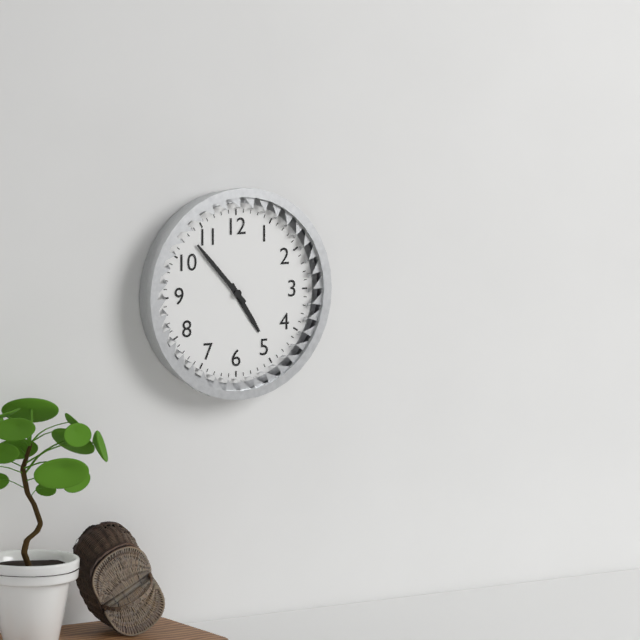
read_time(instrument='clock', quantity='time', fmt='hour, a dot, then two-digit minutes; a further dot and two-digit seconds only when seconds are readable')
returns 4.53
